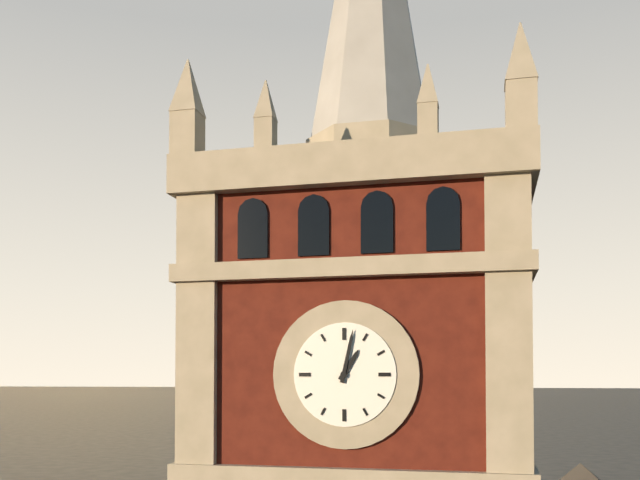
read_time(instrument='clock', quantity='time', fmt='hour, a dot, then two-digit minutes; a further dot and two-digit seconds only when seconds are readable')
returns 1.02
